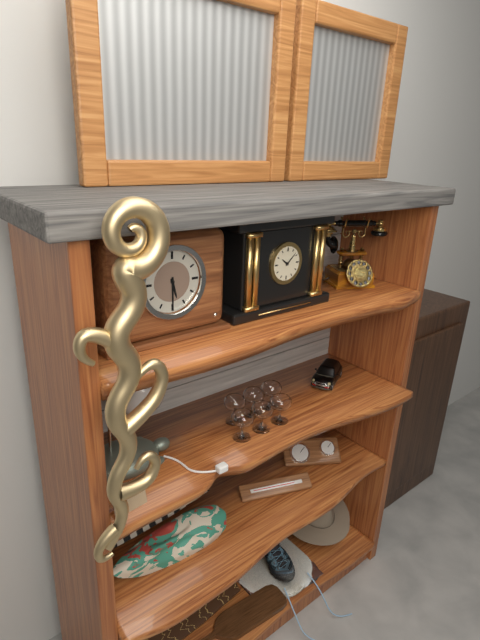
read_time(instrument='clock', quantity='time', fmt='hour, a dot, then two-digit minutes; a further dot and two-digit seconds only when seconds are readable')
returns 5.30
